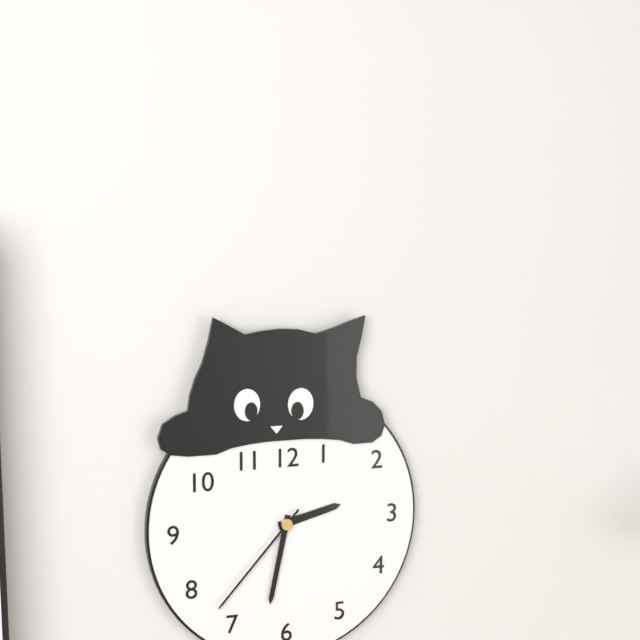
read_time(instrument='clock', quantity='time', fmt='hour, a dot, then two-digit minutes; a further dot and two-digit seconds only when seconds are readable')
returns 2.32.37
